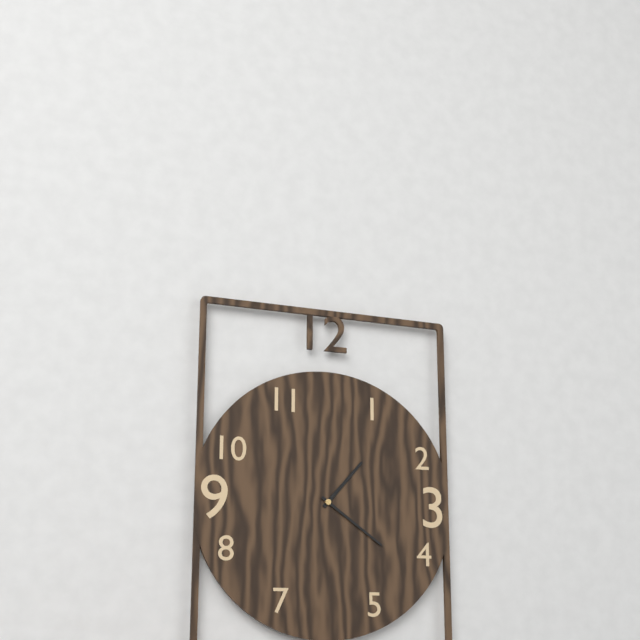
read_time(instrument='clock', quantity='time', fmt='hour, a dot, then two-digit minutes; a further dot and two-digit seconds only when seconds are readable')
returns 1.21
